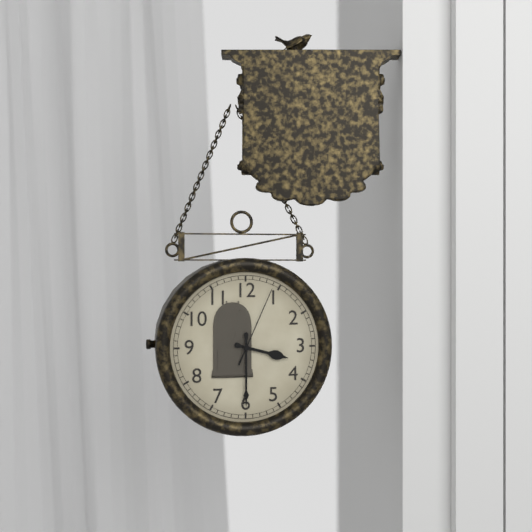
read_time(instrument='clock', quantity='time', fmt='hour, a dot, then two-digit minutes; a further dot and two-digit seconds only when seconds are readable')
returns 3.30.04
